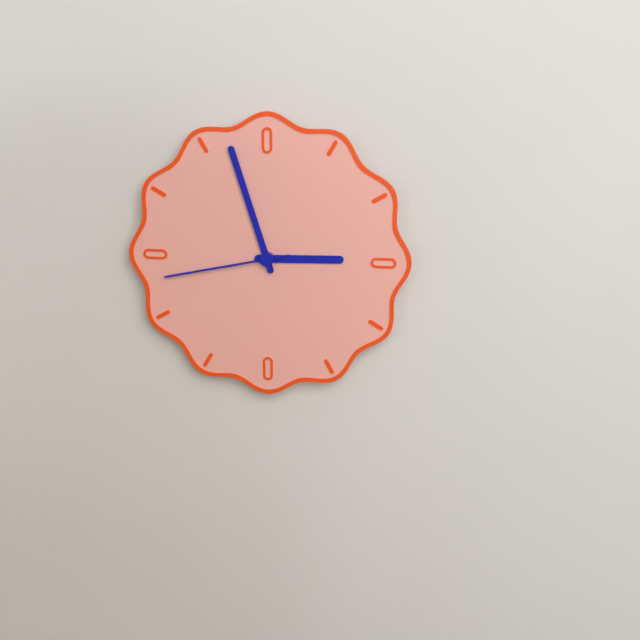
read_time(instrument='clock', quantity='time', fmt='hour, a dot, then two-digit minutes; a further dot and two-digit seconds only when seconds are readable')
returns 2.57.43
